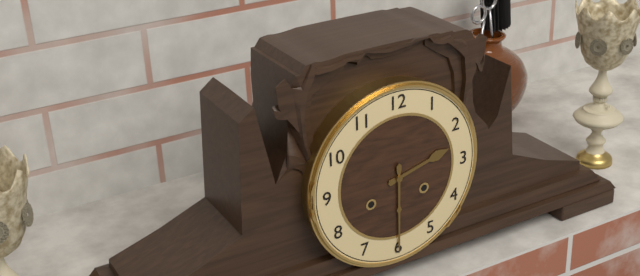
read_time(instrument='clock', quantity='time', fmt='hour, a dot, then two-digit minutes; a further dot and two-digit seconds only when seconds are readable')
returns 2.30
